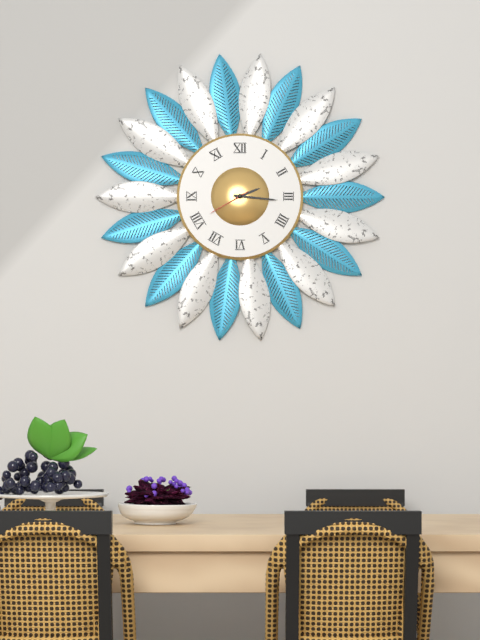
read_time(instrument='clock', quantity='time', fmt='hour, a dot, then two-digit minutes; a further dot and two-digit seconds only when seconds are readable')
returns 2.16
